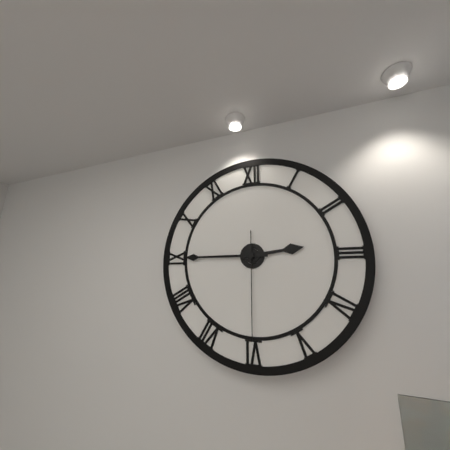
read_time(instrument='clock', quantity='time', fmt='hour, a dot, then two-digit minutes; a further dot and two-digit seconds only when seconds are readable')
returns 2.45.30
